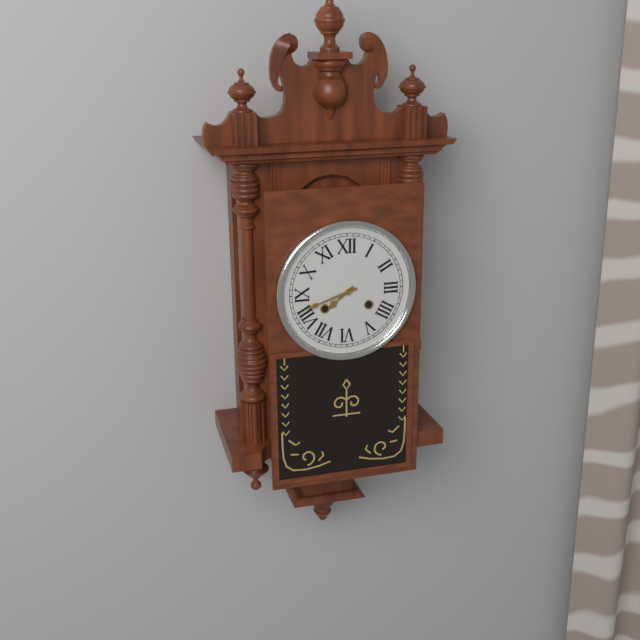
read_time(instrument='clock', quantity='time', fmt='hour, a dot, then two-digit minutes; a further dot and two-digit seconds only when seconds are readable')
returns 7.42
